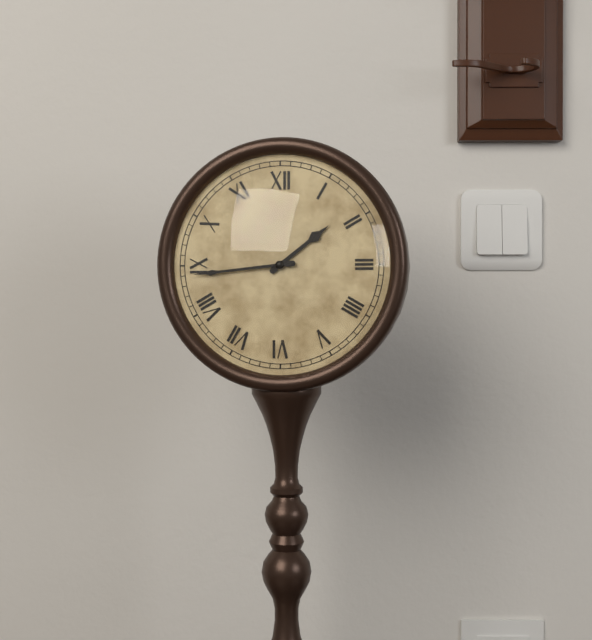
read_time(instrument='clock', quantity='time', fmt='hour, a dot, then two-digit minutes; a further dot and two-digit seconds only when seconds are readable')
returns 1.44
